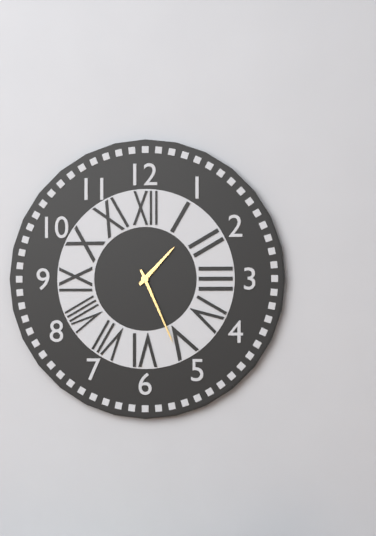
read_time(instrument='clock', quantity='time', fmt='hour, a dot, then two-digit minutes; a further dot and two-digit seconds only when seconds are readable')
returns 1.26
